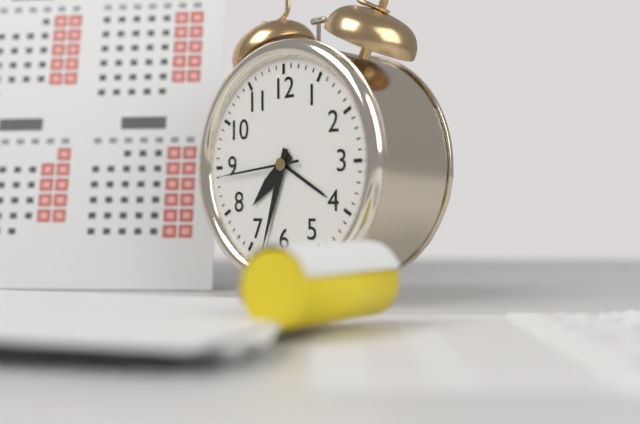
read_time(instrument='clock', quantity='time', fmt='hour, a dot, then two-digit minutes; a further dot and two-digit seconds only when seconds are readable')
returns 7.33.44
